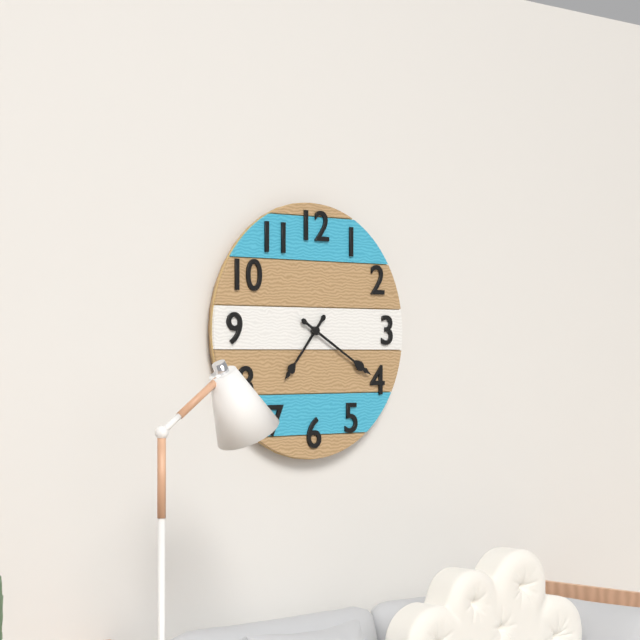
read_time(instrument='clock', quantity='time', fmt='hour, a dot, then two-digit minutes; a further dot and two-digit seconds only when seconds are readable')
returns 7.20
